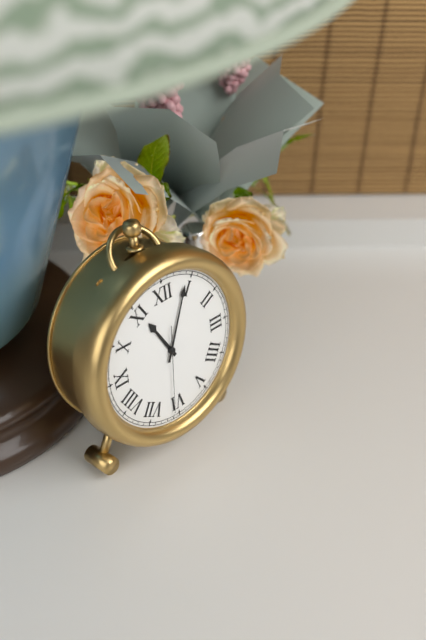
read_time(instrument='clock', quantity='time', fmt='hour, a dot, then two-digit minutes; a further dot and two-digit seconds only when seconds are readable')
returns 11.04.31
